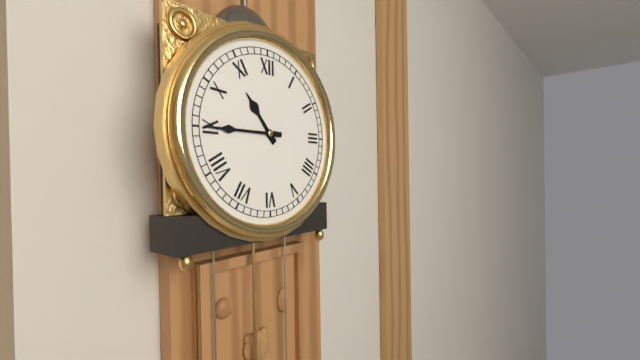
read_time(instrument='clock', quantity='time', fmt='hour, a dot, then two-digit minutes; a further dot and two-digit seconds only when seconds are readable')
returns 10.45
